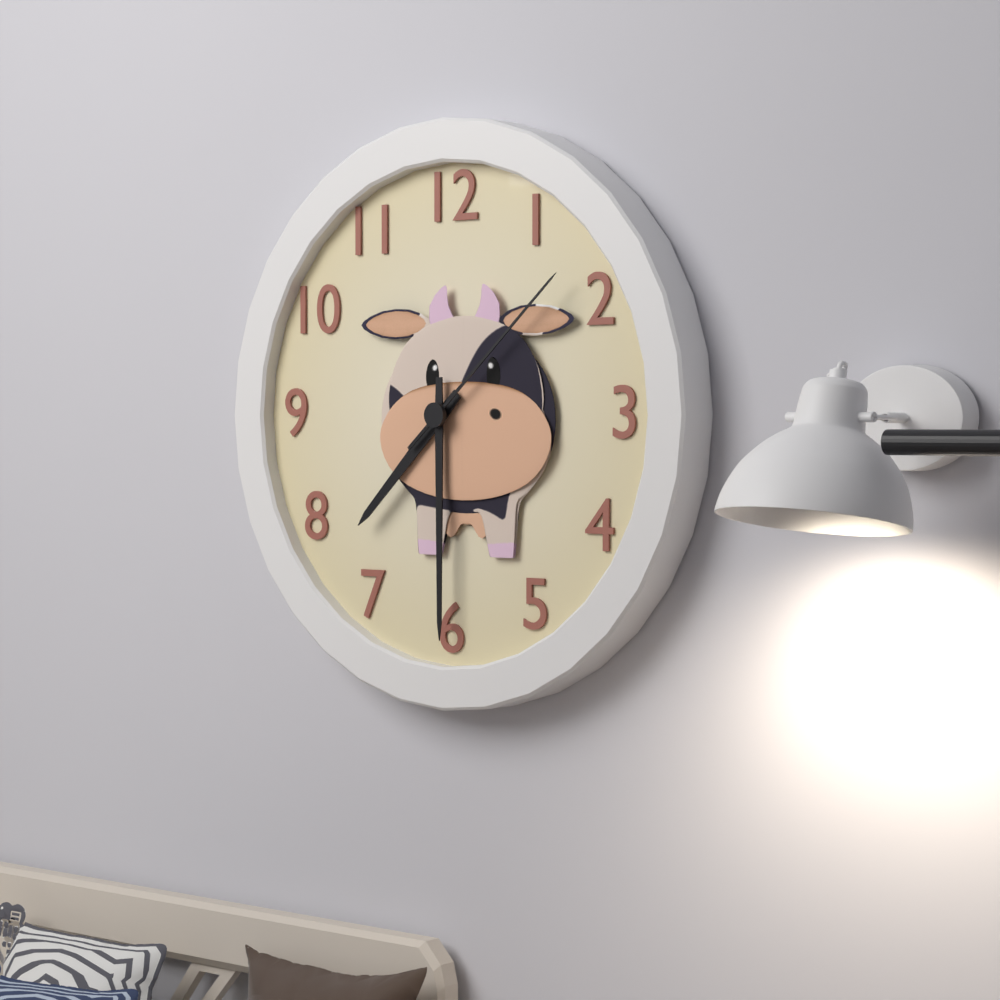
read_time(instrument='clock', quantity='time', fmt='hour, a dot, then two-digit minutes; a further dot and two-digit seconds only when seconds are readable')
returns 7.30.08
